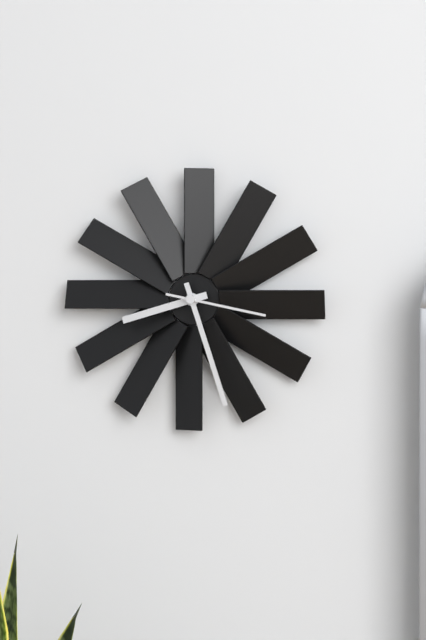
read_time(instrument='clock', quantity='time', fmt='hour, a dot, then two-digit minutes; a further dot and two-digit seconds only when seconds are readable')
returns 8.27.17
